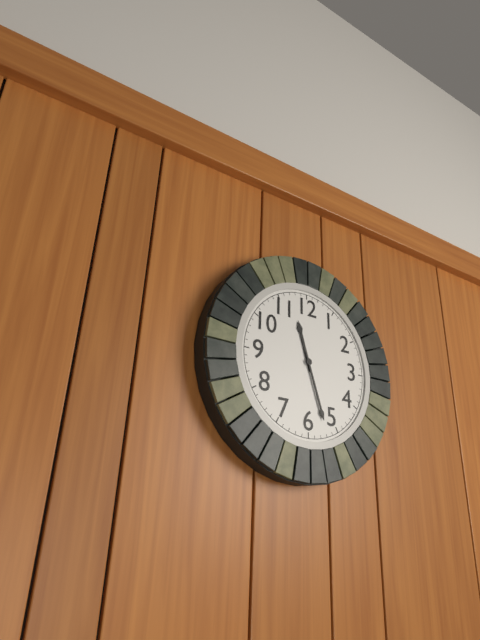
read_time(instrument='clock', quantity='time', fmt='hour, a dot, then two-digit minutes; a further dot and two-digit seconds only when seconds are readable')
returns 11.27
